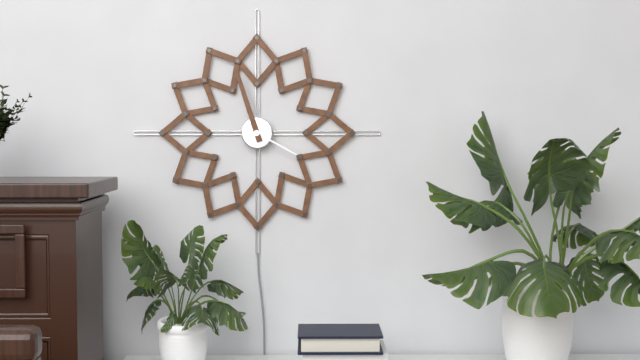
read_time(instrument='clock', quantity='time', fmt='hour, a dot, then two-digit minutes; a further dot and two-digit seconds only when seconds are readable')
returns 3.57
